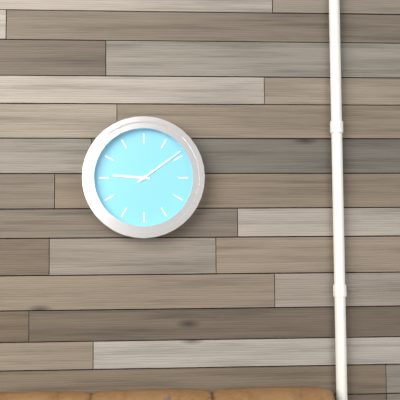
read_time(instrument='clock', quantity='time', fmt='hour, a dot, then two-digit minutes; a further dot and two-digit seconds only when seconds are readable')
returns 9.09
